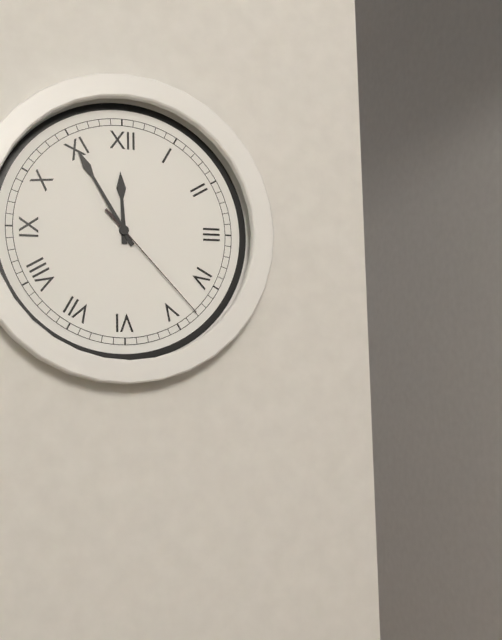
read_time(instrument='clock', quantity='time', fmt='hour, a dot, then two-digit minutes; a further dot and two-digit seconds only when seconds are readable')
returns 11.55.23
